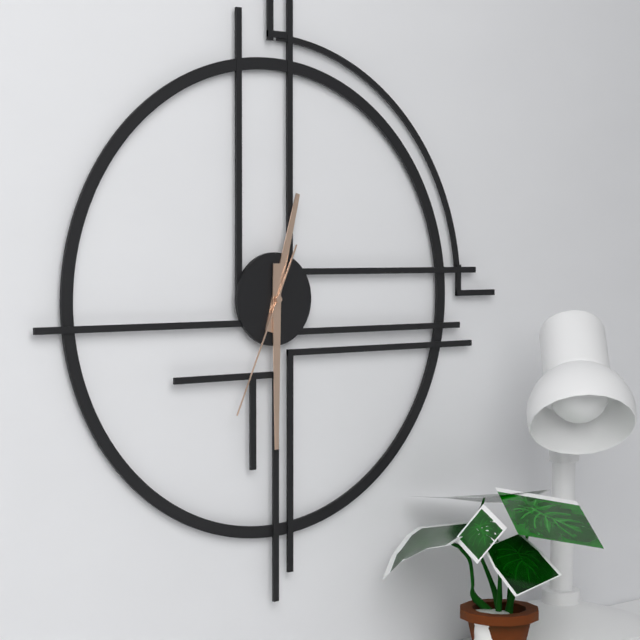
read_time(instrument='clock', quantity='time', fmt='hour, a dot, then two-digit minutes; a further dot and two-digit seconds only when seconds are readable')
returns 12.30.34
